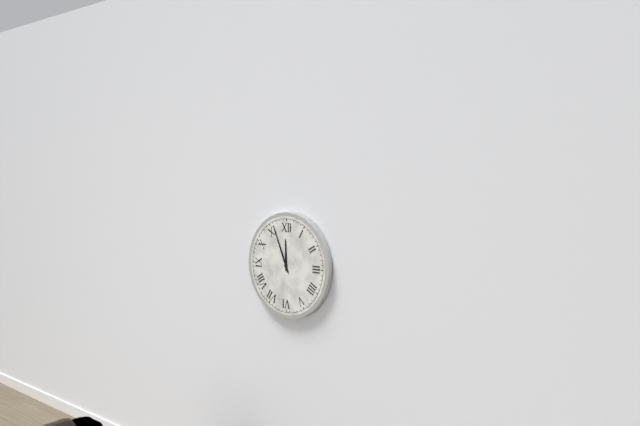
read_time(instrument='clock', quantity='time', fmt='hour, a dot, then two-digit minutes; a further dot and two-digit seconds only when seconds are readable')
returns 11.56
